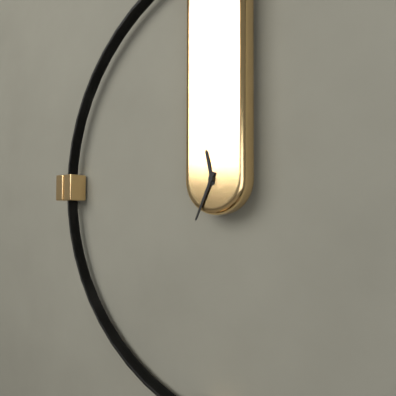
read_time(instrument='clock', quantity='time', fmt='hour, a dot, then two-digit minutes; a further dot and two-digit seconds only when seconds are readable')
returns 11.34
